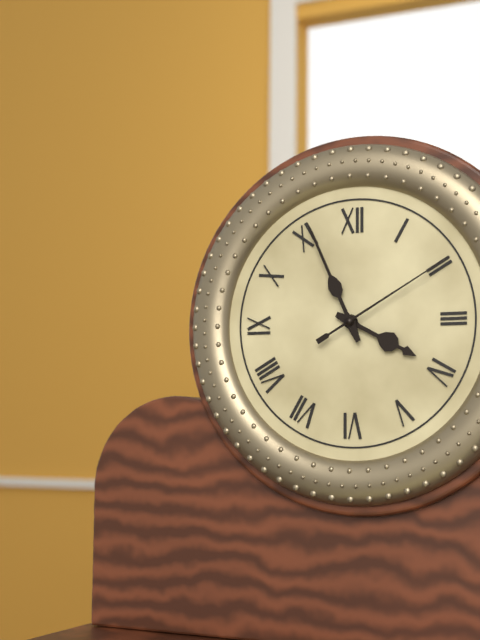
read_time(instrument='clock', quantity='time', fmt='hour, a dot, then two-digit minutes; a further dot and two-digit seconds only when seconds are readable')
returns 3.56.10
